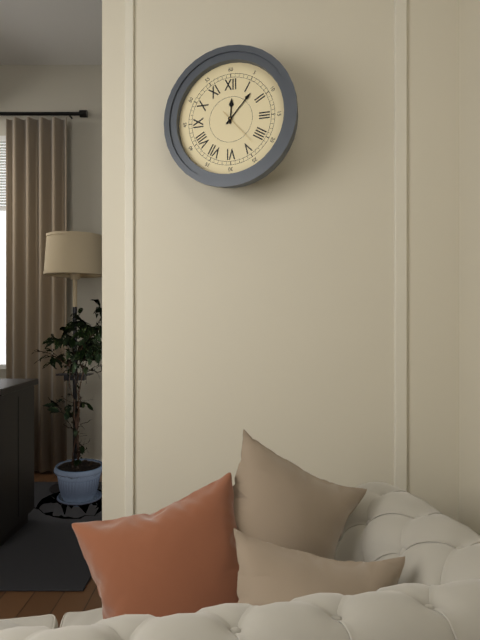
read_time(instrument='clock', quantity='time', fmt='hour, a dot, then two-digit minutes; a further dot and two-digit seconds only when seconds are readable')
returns 12.07
